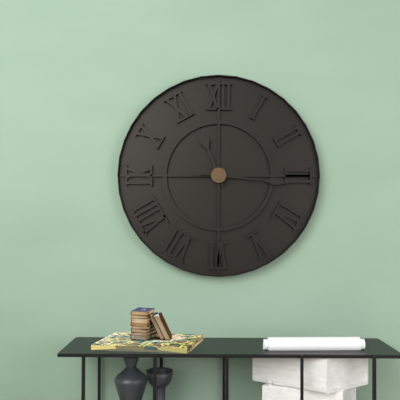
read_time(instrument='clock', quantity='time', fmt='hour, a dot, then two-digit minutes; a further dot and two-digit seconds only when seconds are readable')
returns 11.16
